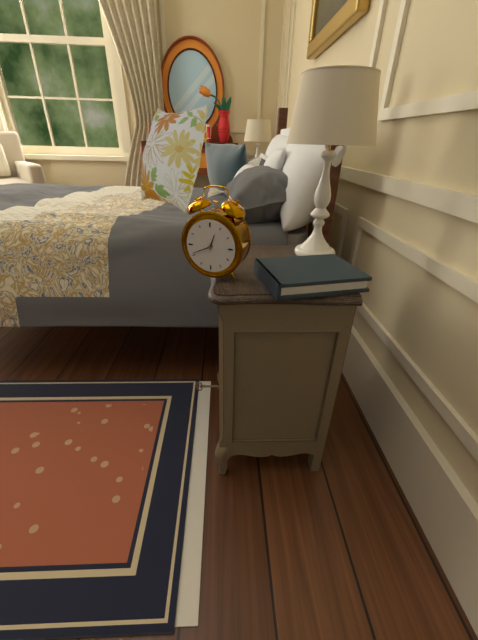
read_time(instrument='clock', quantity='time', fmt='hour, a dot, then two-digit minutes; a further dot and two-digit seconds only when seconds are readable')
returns 12.41
